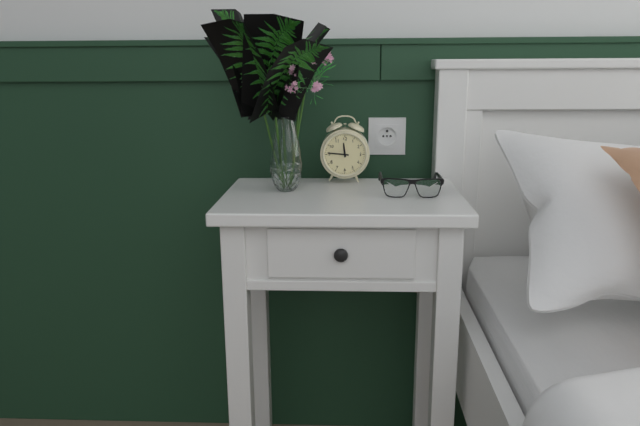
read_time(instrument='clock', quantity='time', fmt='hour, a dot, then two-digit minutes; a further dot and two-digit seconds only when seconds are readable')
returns 11.46
